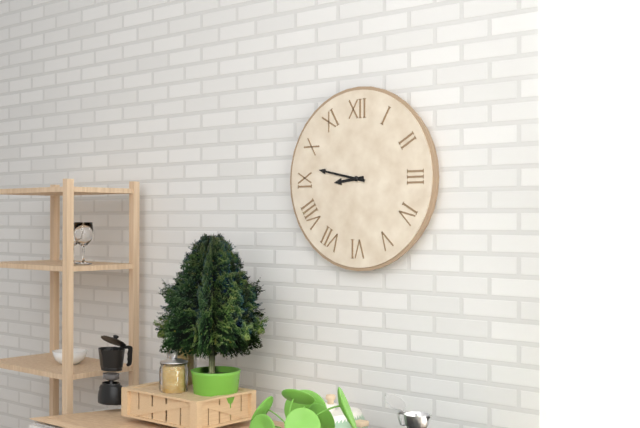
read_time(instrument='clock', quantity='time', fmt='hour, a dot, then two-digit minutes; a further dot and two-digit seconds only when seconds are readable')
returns 8.47
